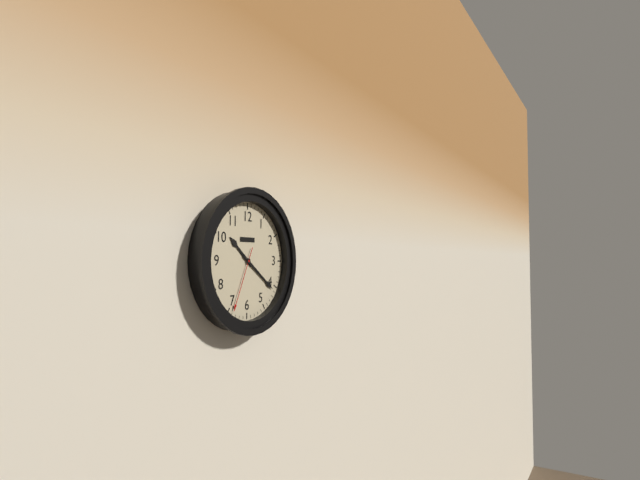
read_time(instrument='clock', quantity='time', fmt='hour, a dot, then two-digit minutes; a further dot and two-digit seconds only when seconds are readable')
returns 10.21.34
